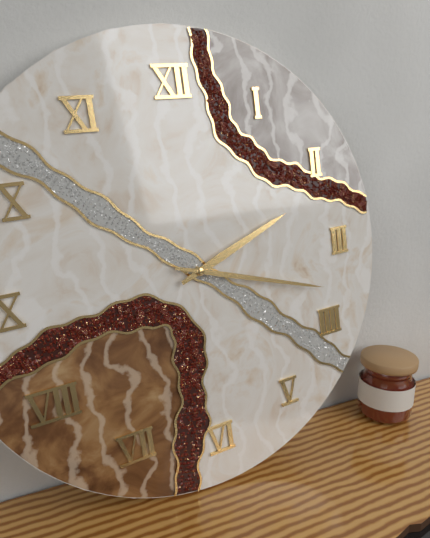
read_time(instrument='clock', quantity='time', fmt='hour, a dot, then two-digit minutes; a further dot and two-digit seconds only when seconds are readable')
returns 2.18
